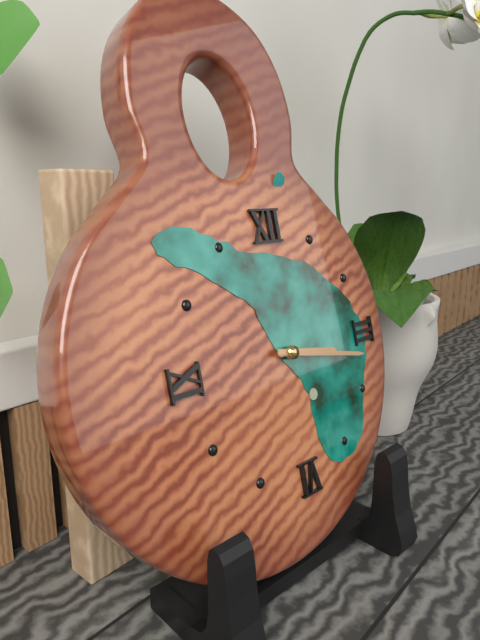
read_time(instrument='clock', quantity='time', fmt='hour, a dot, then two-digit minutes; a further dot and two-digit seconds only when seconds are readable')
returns 3.17
